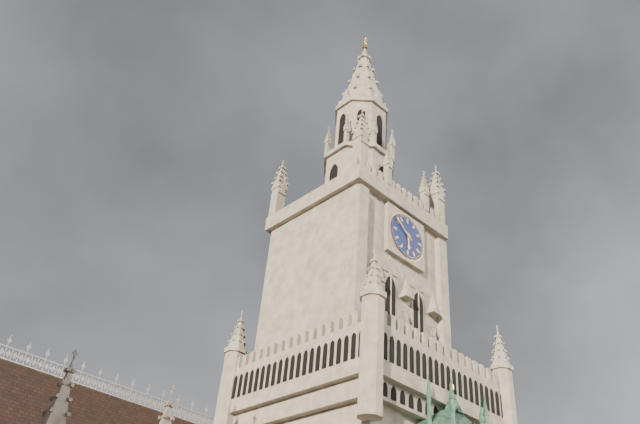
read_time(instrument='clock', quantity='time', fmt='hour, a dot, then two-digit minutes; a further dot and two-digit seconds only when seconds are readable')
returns 5.51
